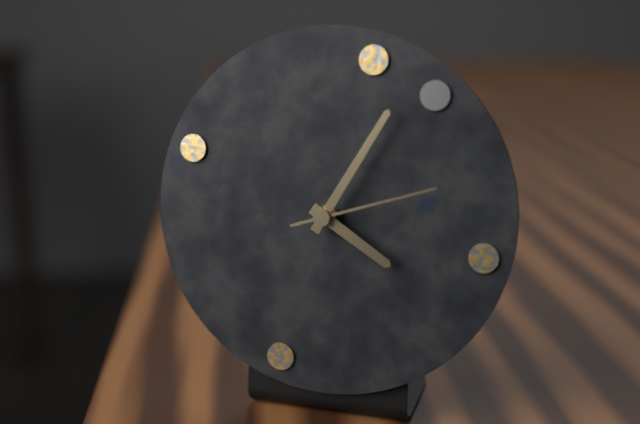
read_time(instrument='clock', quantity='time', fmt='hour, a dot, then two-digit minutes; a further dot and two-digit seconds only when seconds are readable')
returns 4.05.12
